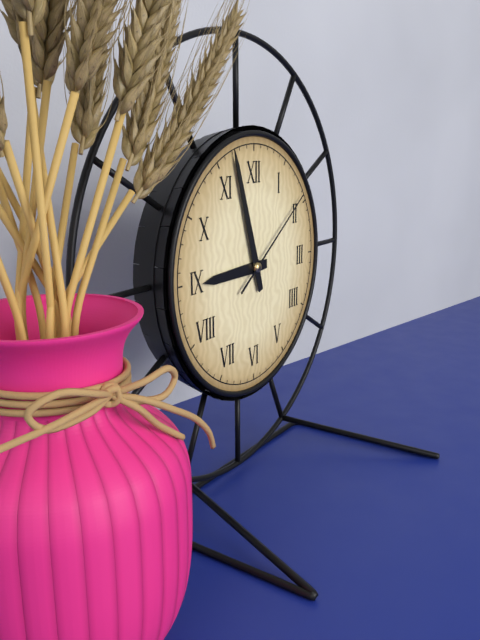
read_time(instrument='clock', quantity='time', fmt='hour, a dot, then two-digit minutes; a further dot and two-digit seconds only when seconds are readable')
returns 8.57.09
